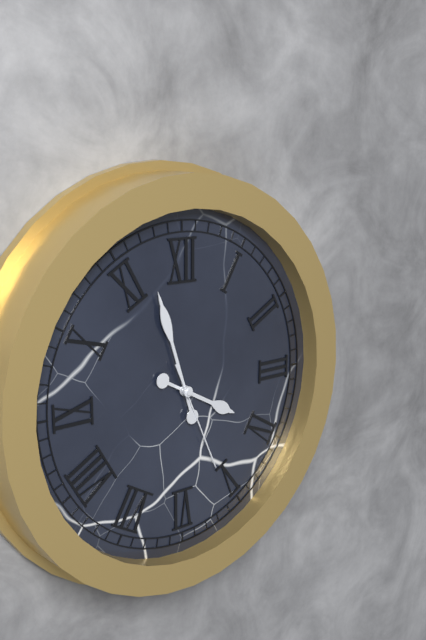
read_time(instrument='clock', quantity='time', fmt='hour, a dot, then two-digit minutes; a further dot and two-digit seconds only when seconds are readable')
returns 3.57.26
